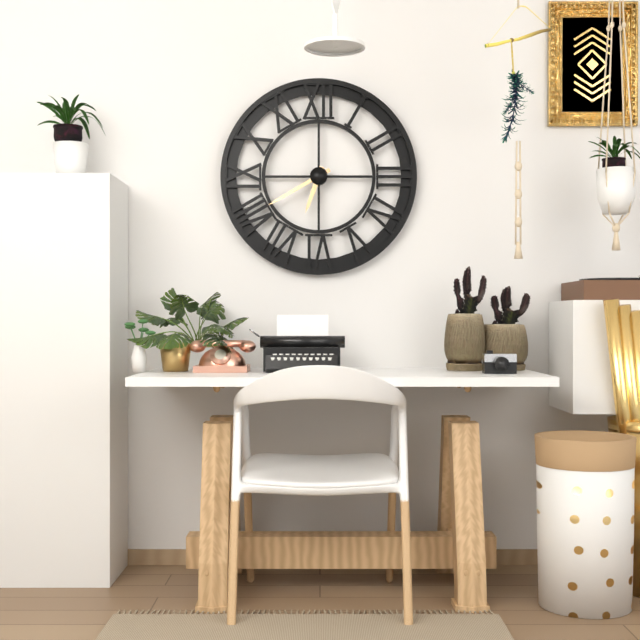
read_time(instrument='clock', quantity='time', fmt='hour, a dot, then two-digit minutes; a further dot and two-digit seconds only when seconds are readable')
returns 6.40
